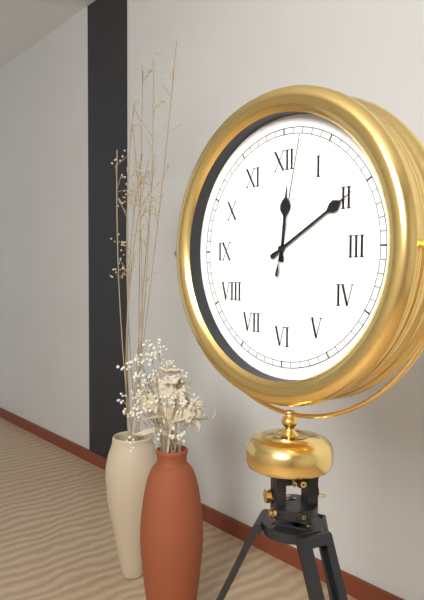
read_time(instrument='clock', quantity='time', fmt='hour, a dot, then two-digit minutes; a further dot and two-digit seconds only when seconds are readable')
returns 12.10.02
